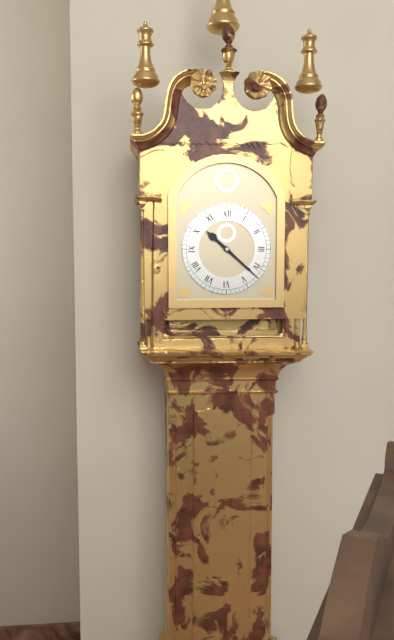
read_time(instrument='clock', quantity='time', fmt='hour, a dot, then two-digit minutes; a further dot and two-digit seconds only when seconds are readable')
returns 10.22
